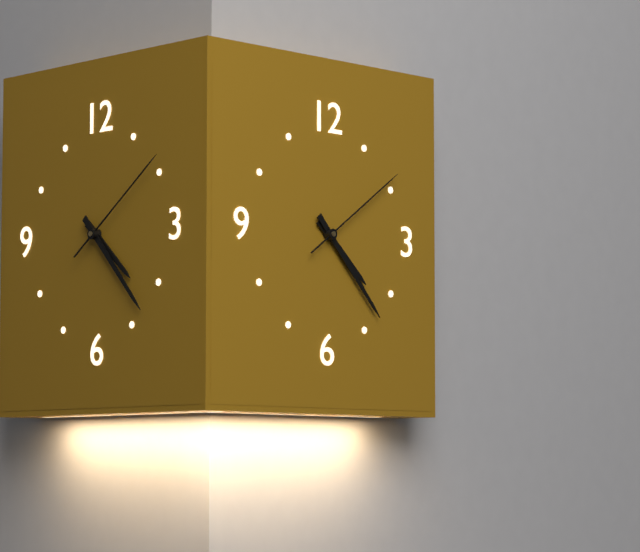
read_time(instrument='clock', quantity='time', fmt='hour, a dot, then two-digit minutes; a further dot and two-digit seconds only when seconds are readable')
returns 4.23.09
